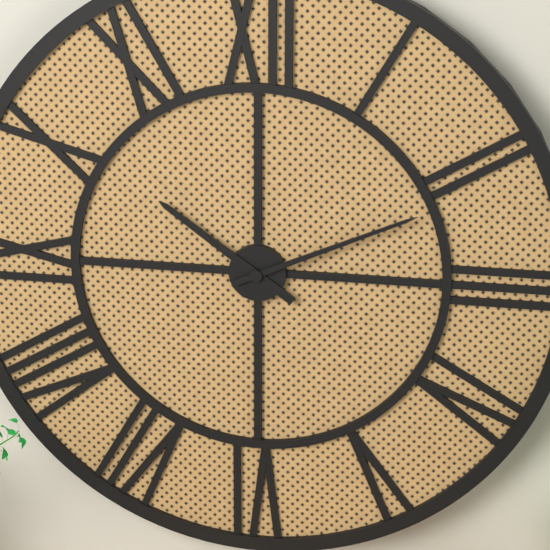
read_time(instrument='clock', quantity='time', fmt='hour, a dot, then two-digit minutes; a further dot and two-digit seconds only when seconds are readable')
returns 10.11
